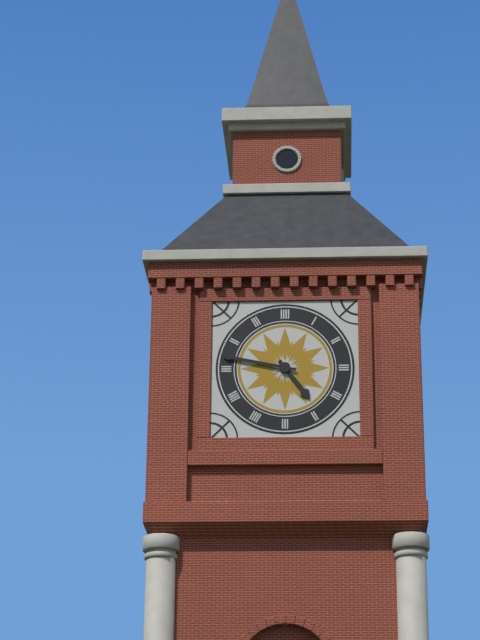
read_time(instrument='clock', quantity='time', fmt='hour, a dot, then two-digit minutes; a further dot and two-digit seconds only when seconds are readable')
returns 4.47
